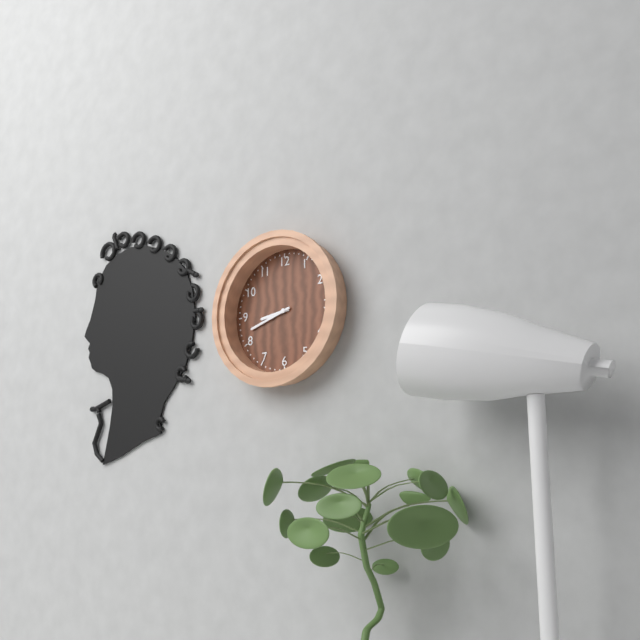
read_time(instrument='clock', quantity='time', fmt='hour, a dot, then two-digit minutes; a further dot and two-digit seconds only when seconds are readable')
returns 8.42
